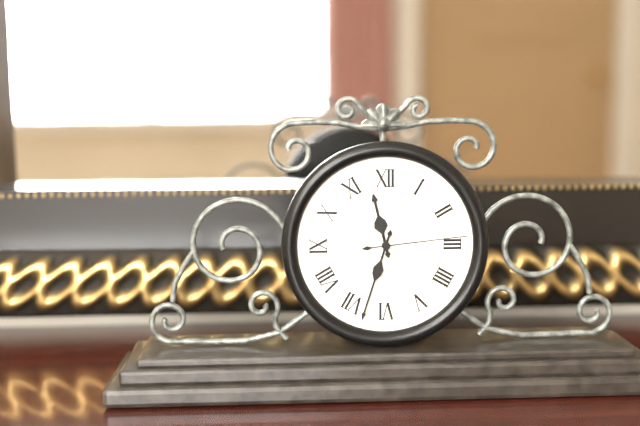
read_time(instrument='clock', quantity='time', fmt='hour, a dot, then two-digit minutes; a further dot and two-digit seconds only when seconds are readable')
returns 11.33.14
